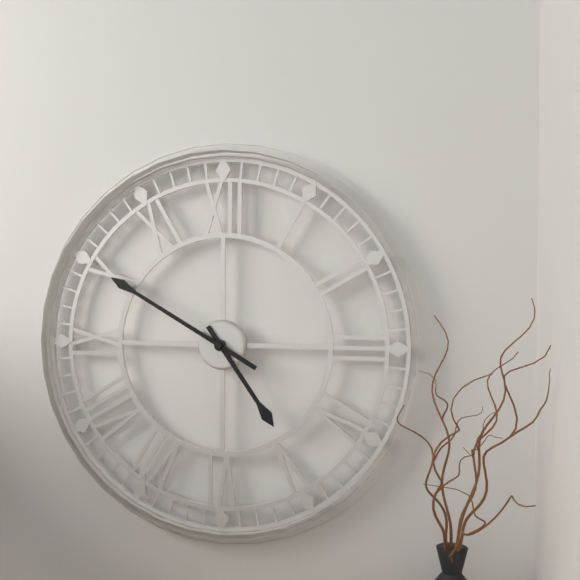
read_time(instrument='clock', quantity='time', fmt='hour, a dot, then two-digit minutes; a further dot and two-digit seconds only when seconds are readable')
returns 4.50
